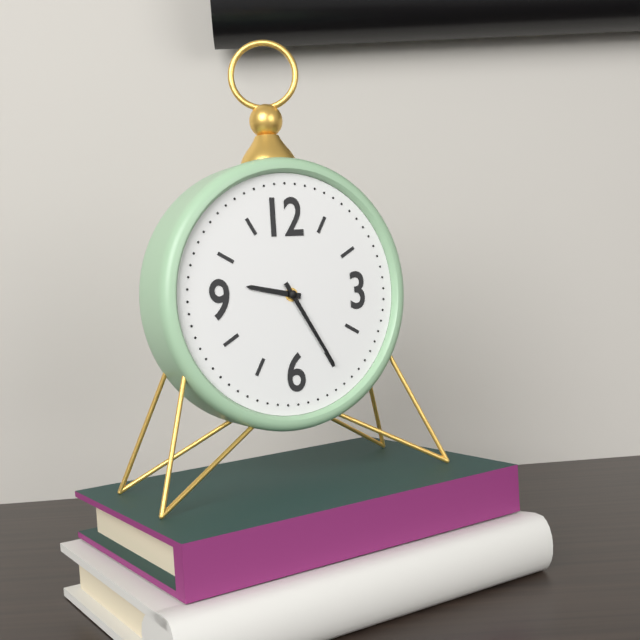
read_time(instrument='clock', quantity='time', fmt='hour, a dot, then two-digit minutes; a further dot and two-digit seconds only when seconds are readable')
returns 9.25
